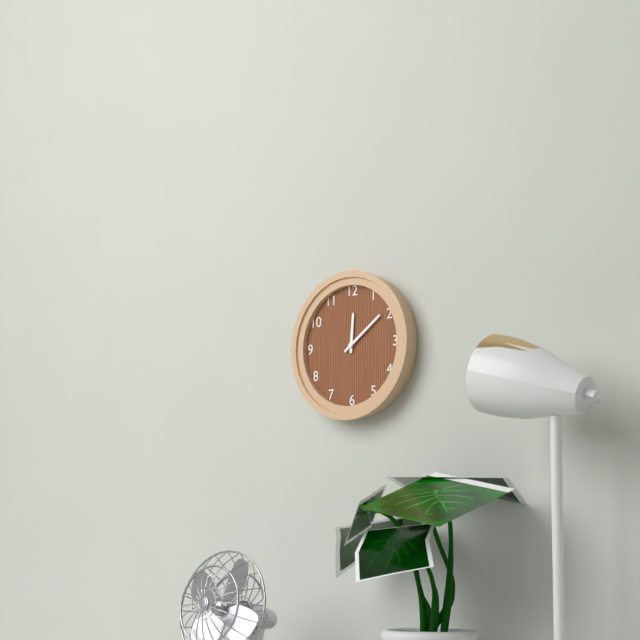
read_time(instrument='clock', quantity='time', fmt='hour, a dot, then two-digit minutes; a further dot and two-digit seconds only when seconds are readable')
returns 12.09
